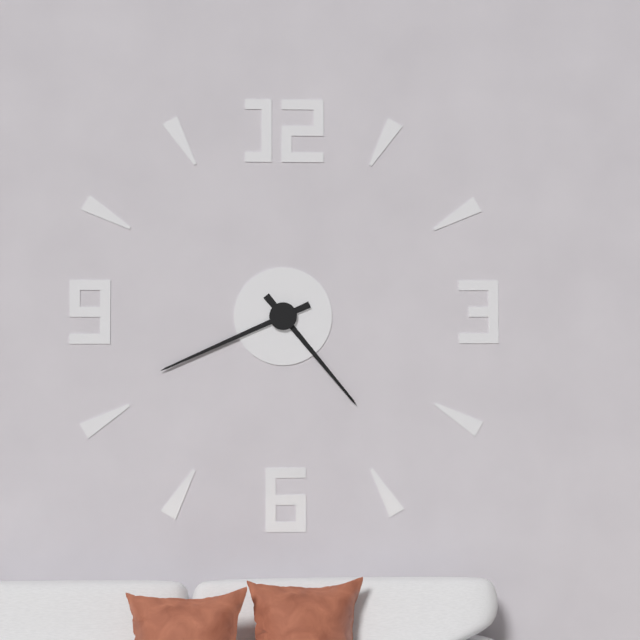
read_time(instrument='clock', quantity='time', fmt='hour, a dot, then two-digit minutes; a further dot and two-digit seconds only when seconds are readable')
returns 4.41
